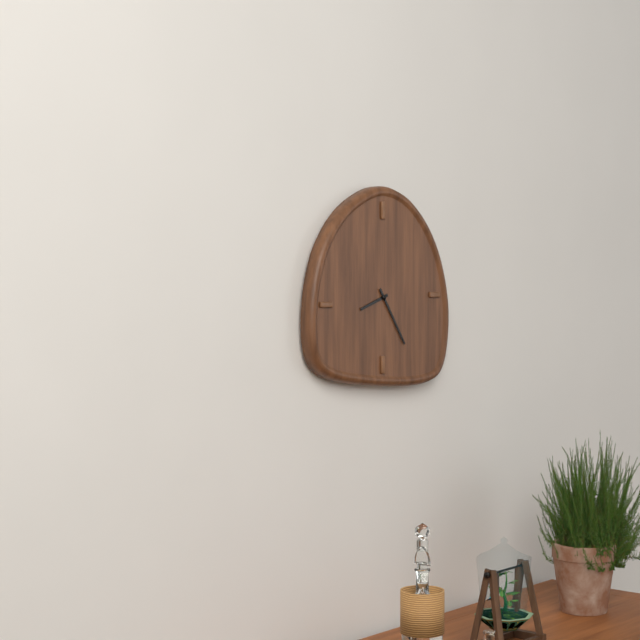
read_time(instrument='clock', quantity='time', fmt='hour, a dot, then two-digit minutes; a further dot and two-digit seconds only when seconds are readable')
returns 8.24
